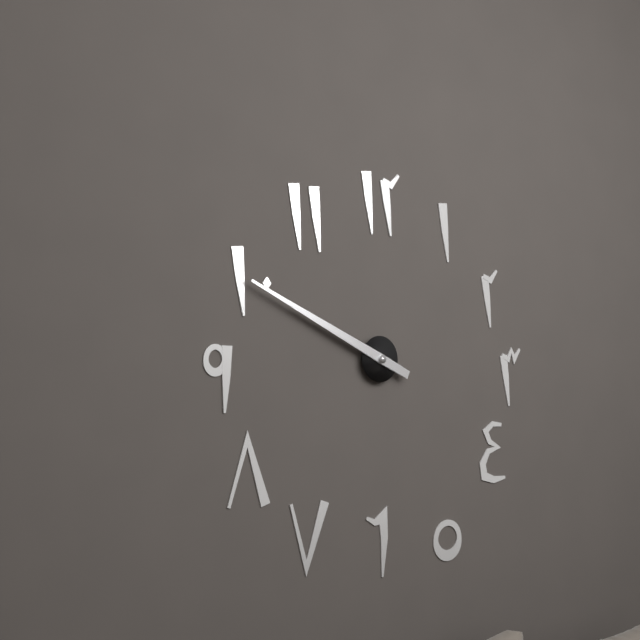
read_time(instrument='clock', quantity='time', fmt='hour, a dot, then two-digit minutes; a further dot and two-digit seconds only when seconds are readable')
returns 9.49
